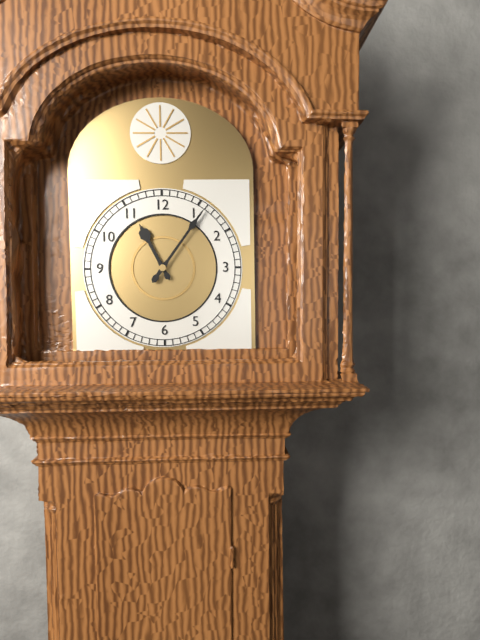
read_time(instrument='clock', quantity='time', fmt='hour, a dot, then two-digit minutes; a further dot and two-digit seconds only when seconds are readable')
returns 11.06
